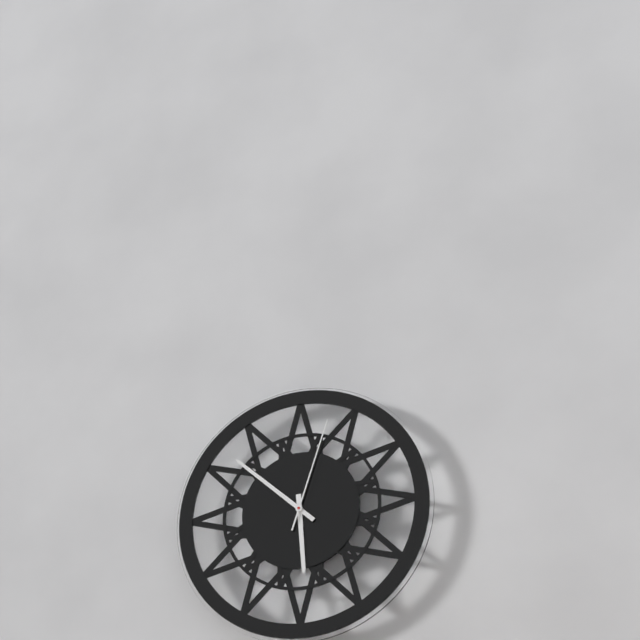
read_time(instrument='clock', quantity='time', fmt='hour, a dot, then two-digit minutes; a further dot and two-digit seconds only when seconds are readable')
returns 5.52.03
